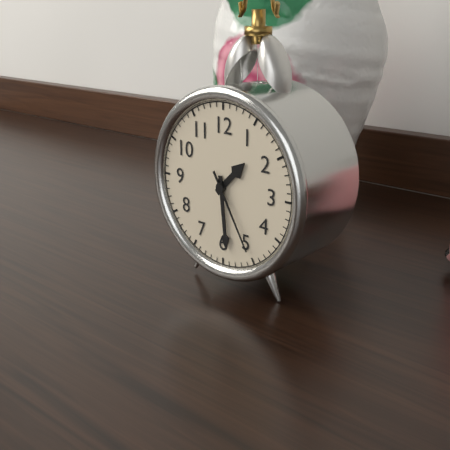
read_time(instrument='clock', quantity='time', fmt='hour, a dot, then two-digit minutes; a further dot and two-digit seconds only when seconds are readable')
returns 1.29.25
